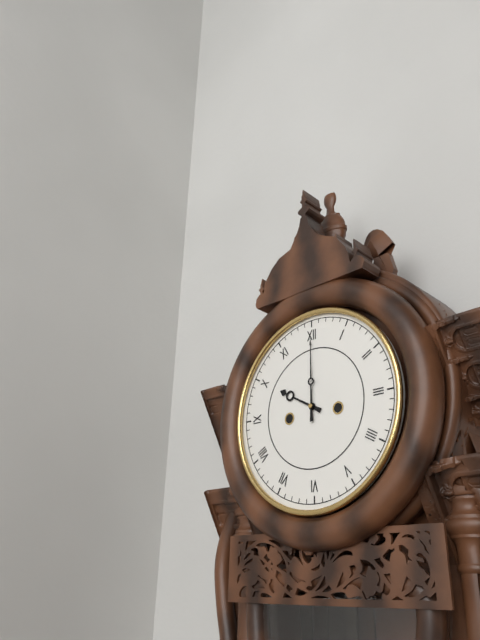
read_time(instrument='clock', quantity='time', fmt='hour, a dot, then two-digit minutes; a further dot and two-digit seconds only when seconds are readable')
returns 10.00
